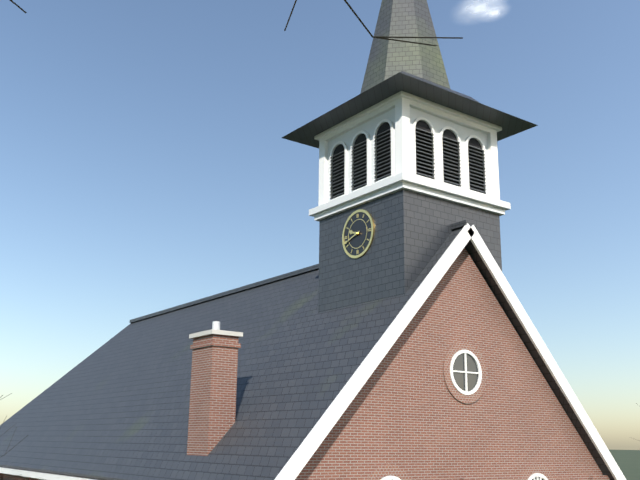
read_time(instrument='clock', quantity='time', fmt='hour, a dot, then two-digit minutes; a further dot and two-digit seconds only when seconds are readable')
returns 9.42
